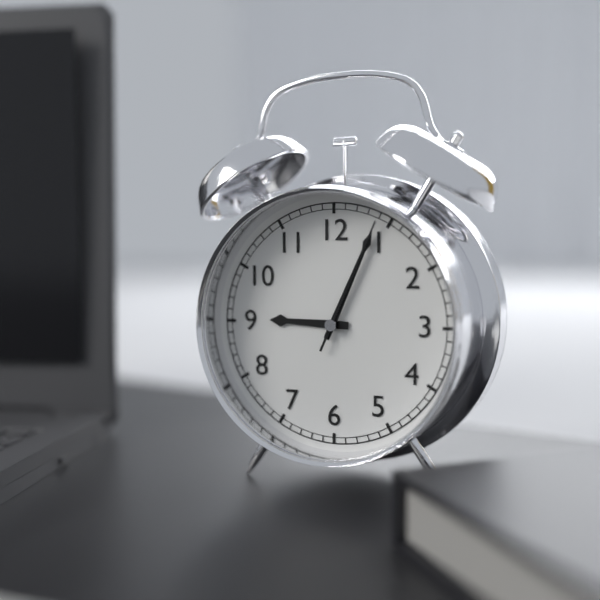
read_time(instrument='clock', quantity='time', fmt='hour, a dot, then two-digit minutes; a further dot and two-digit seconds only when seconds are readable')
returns 9.04.04
